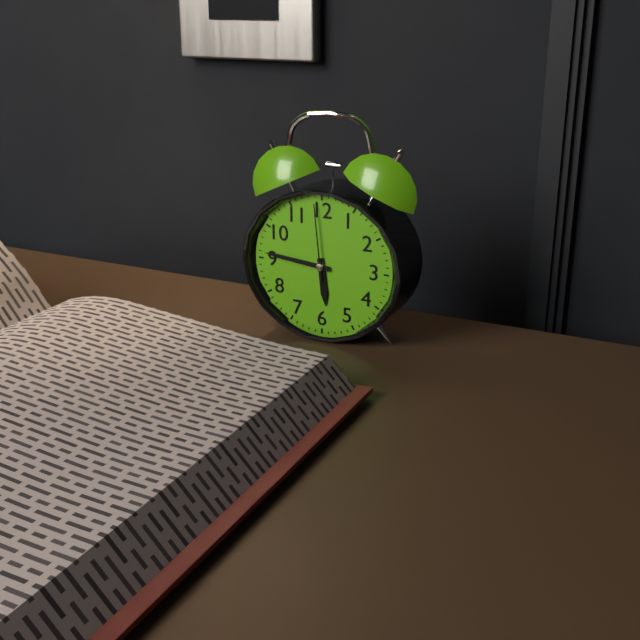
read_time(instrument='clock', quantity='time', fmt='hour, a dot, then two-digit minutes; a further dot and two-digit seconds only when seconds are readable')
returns 5.46.59
